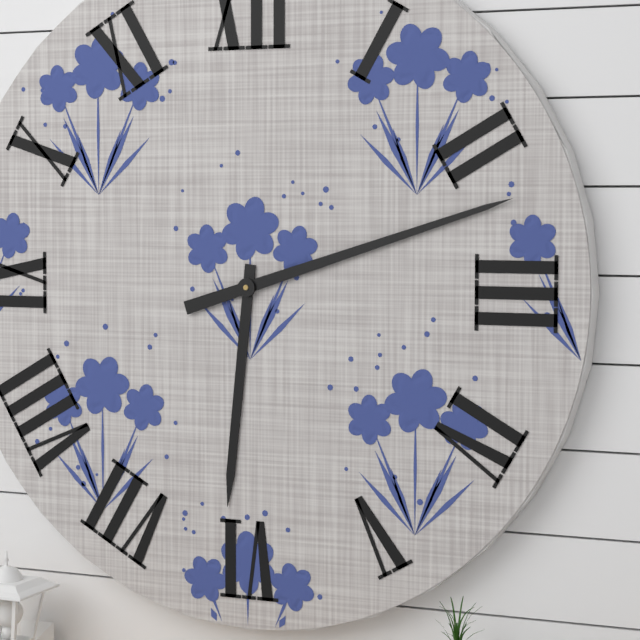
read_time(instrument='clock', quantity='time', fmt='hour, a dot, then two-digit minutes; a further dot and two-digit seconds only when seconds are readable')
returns 6.12
